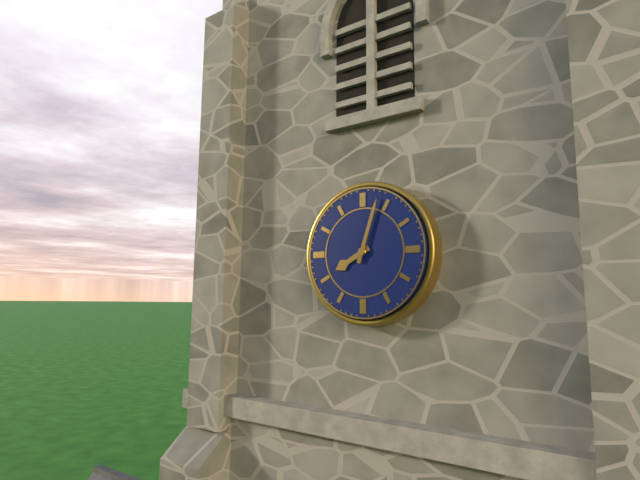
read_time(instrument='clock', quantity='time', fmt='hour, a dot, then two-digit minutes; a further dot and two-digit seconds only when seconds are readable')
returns 8.03
